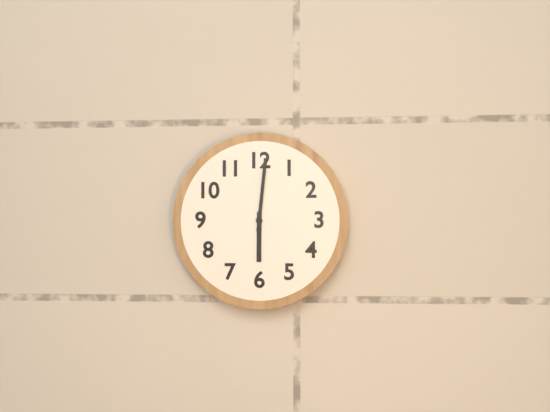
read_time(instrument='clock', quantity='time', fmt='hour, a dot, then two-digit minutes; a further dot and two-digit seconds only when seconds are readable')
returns 6.01
